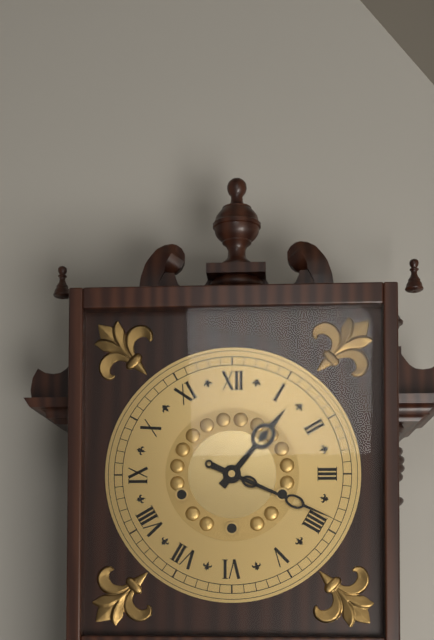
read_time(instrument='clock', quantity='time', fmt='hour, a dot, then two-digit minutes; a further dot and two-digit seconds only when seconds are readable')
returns 1.19
